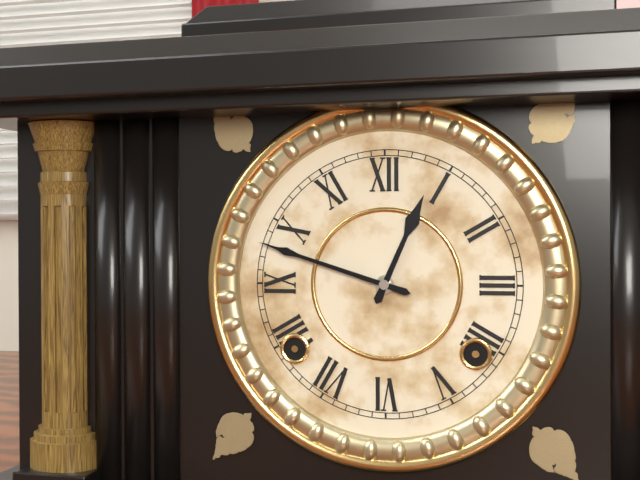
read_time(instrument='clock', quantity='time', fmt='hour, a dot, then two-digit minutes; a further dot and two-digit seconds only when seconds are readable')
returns 12.48
